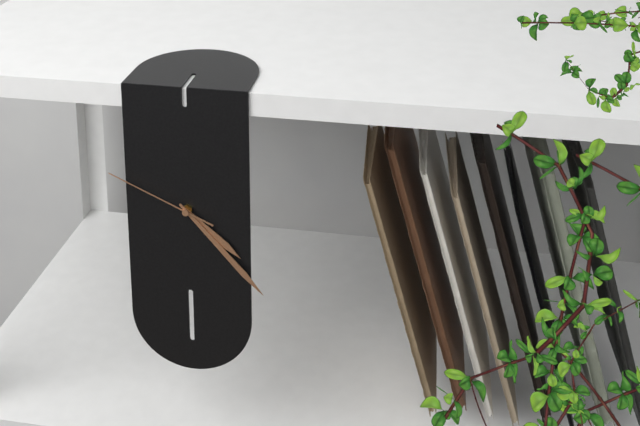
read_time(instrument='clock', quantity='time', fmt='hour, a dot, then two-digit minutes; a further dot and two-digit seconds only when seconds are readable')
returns 4.23.49
